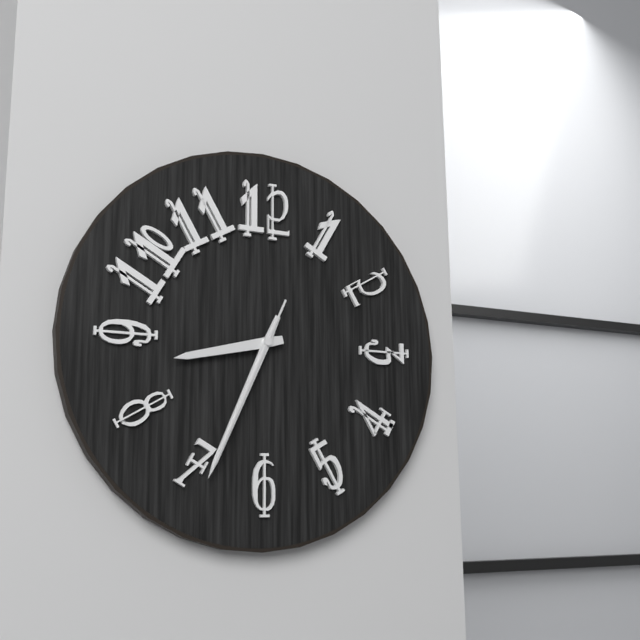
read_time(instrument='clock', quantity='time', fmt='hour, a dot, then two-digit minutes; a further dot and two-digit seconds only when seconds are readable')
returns 8.34.34
